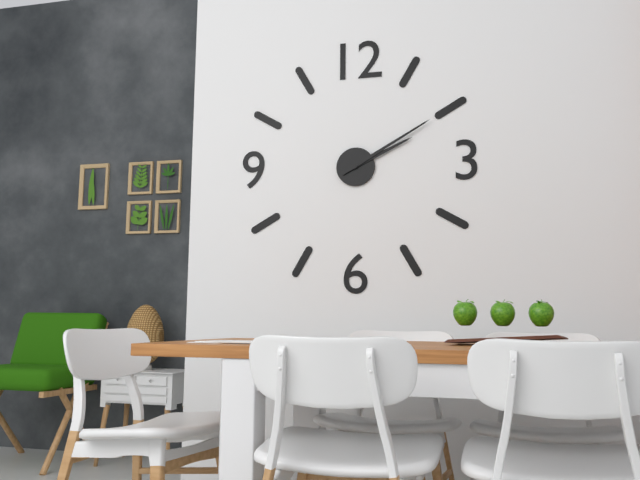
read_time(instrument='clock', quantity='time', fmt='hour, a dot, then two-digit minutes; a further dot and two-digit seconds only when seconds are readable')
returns 2.10
